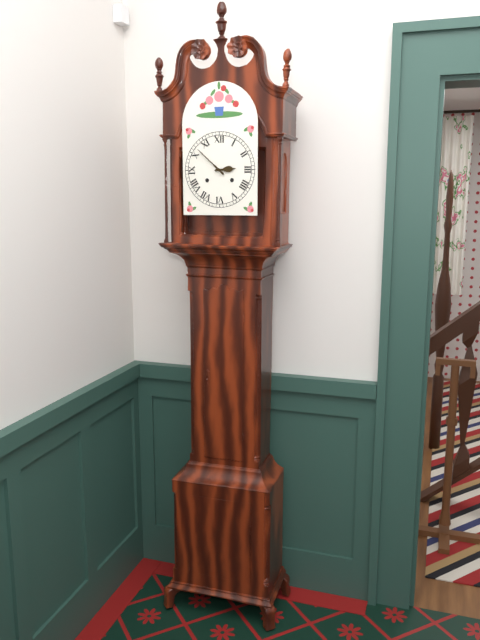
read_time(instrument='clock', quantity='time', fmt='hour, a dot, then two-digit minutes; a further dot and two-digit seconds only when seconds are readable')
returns 2.52
